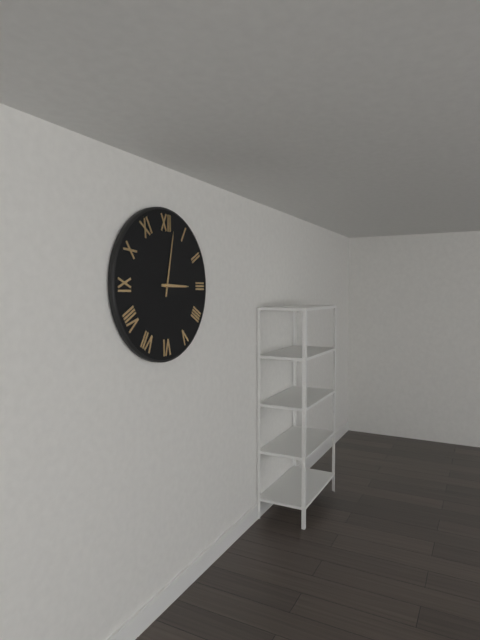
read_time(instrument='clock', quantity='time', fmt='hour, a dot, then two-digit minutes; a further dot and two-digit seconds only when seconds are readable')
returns 3.02
